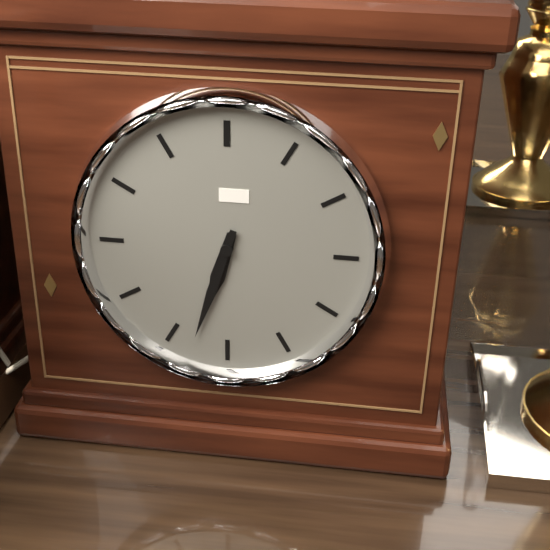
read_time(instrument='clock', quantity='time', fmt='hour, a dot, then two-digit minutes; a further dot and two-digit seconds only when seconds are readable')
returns 6.33
